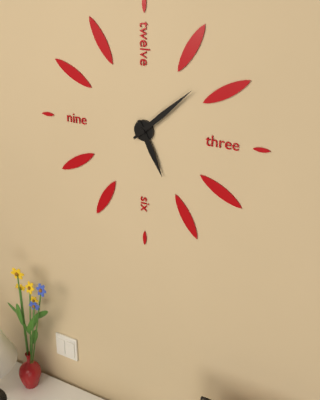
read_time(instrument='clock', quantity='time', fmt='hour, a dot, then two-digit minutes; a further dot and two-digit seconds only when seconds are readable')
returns 5.08
